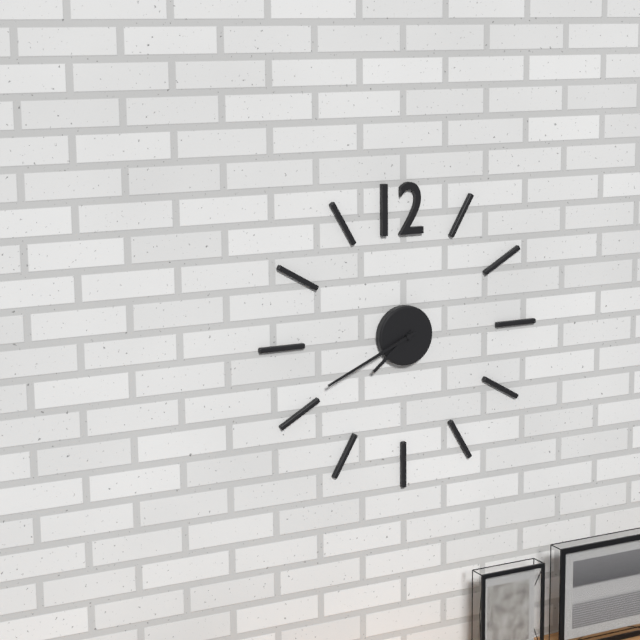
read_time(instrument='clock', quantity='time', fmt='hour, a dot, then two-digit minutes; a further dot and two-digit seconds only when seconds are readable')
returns 7.41
